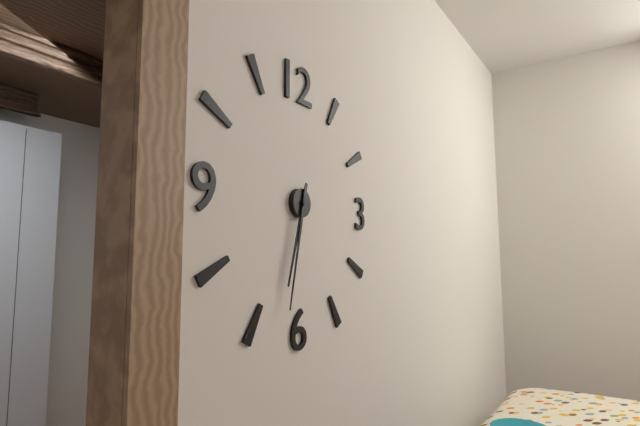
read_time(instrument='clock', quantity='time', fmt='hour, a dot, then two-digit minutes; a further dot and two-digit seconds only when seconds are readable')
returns 6.32
